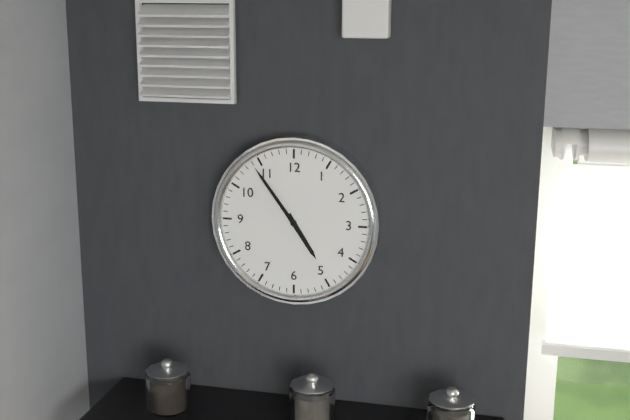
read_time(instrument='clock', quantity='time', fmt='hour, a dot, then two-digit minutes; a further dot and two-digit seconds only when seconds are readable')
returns 4.54
